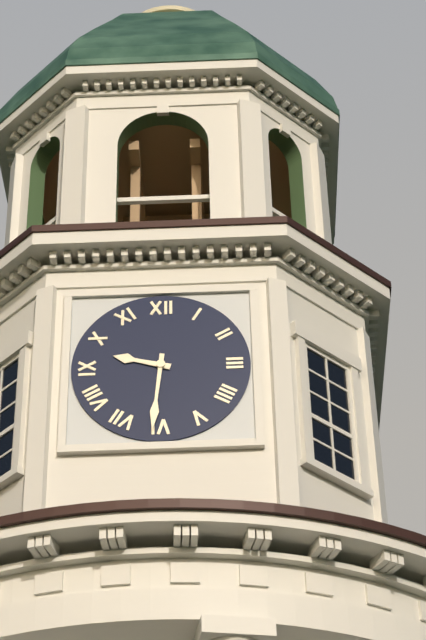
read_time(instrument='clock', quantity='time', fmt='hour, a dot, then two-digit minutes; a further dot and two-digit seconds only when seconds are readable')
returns 9.31
